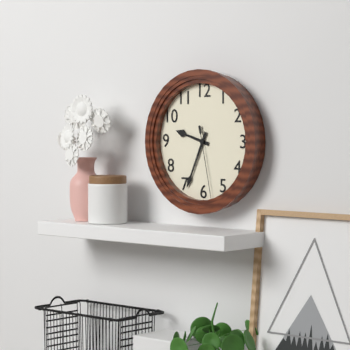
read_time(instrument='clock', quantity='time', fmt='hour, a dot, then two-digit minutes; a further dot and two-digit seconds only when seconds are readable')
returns 9.34.28
